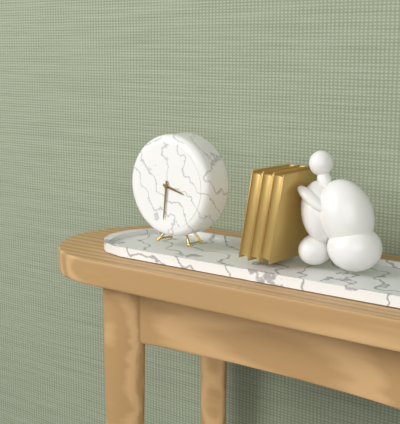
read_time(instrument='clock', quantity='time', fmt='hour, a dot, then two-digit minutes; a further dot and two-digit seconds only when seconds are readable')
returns 3.31
